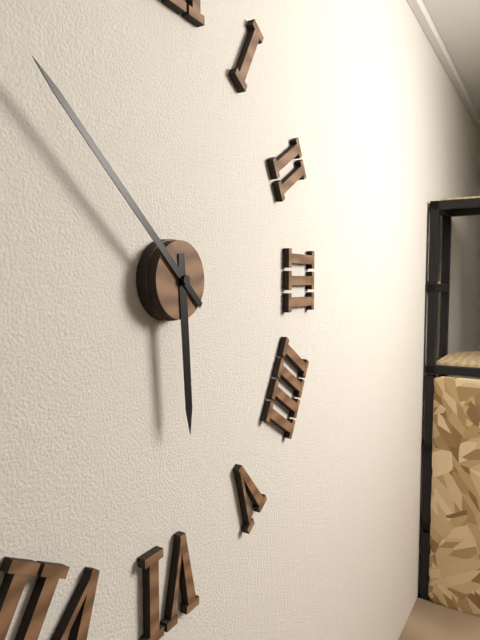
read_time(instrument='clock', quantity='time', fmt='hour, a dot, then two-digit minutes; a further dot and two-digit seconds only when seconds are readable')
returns 5.52
